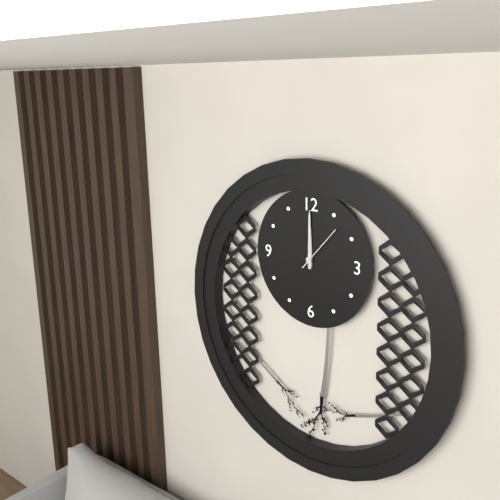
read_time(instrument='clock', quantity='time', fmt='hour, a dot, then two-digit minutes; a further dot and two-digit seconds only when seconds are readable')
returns 12.00
